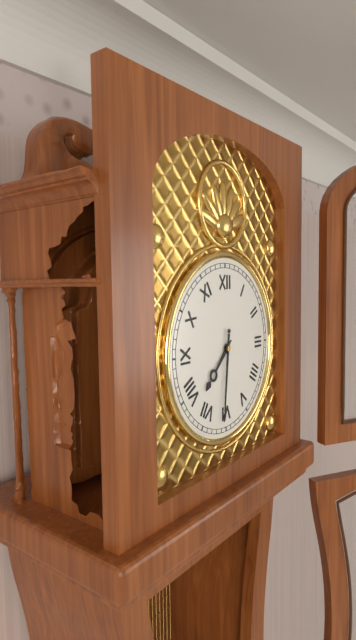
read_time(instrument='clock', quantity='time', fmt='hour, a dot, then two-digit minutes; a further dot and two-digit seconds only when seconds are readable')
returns 7.31
